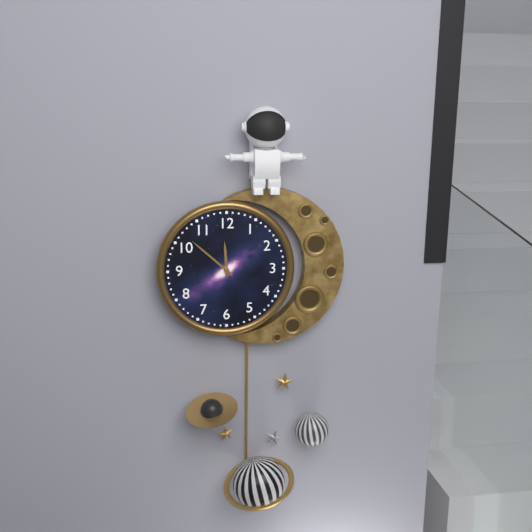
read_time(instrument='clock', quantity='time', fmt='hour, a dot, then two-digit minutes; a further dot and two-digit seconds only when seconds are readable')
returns 11.52
